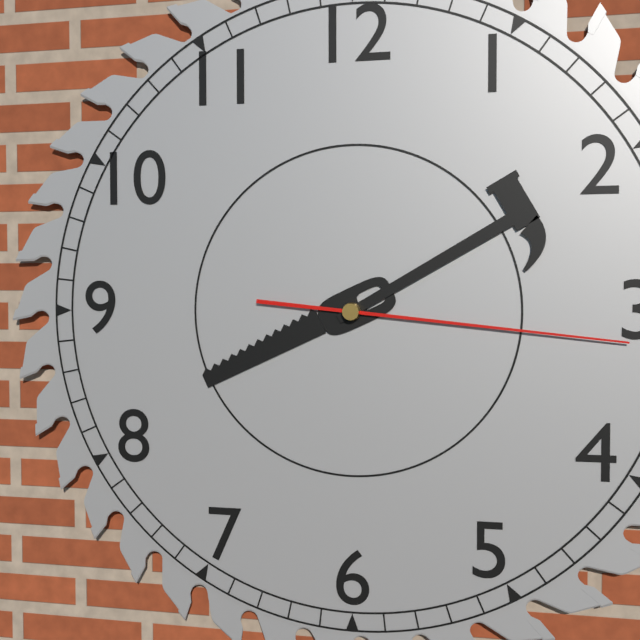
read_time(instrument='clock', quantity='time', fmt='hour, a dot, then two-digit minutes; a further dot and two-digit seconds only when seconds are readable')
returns 8.10.16
